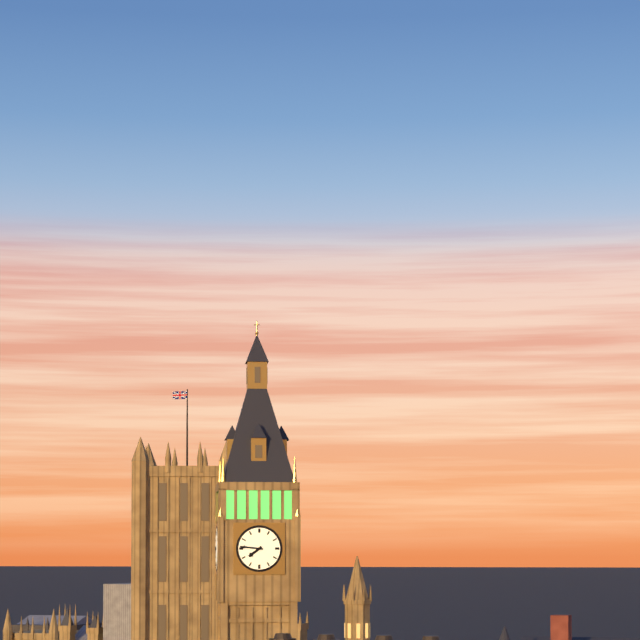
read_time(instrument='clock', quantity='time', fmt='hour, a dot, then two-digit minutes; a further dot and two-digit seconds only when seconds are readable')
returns 7.46
